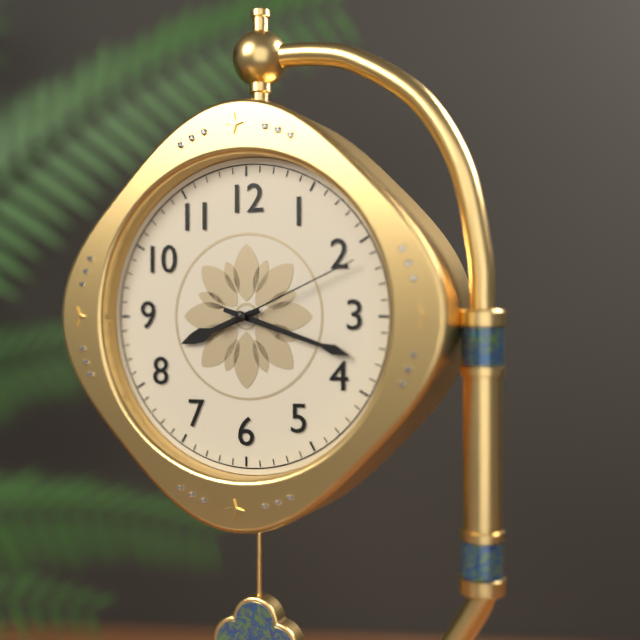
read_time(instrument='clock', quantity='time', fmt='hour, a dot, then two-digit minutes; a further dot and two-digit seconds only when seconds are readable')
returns 8.18.11
